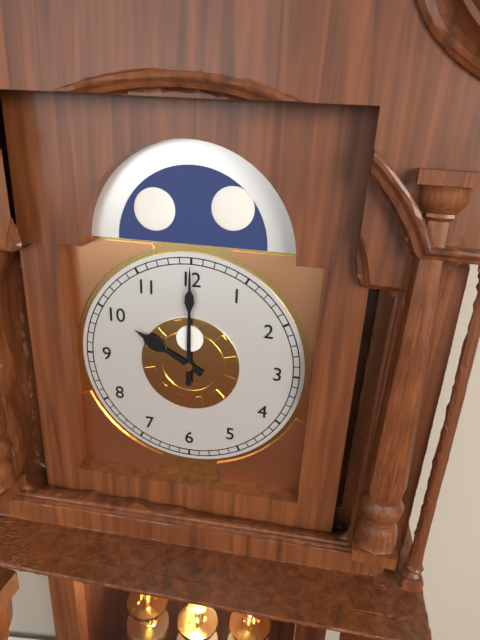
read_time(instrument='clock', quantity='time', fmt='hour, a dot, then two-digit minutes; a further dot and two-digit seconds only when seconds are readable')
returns 10.00
